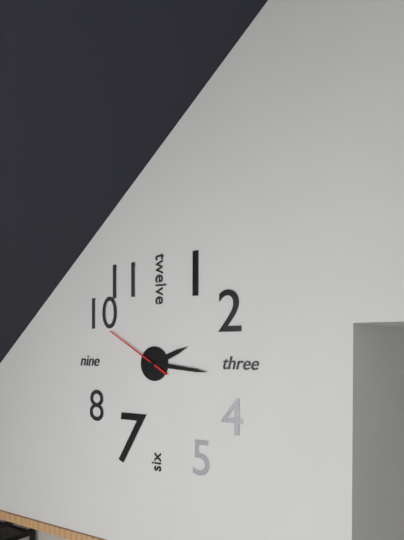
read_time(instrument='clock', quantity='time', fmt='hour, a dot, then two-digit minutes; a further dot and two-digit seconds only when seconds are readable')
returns 2.16.50
